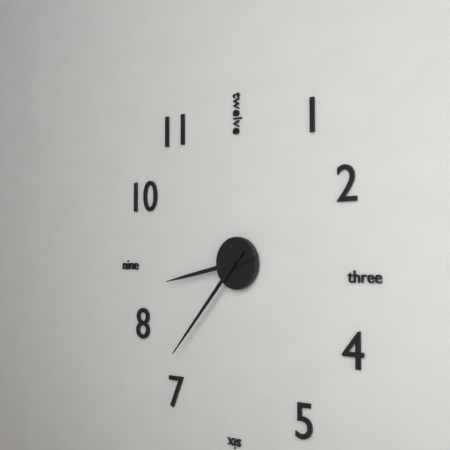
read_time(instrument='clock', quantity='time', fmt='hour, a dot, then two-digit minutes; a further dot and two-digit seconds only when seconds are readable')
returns 8.37
